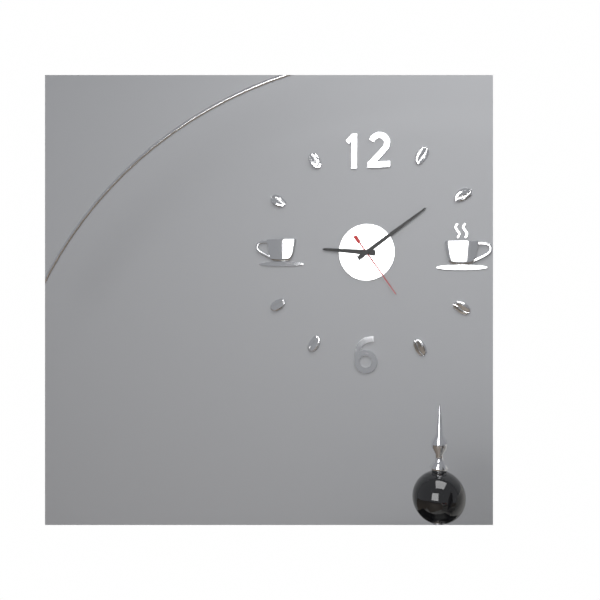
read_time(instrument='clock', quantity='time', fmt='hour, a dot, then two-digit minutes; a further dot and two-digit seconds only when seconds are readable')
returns 9.09.24
